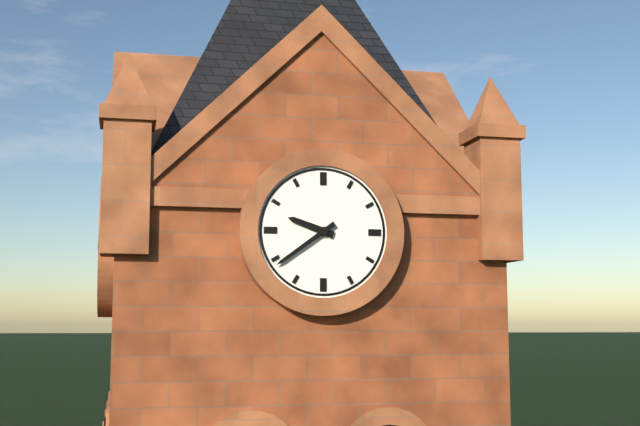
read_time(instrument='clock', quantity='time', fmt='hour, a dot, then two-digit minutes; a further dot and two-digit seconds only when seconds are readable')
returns 9.39
